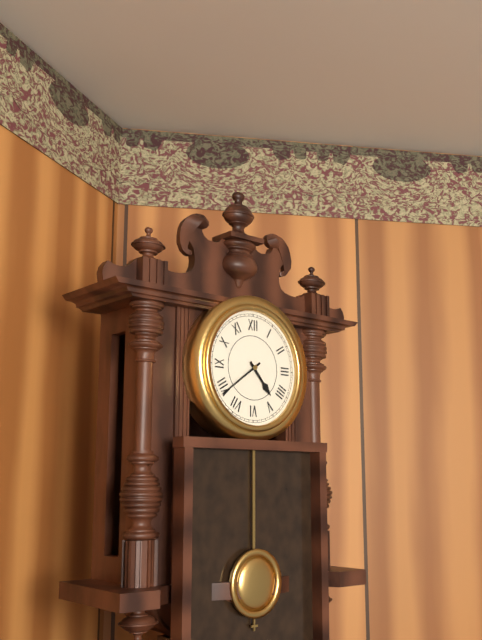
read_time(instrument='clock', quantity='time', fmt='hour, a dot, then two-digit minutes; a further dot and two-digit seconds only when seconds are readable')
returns 4.39
